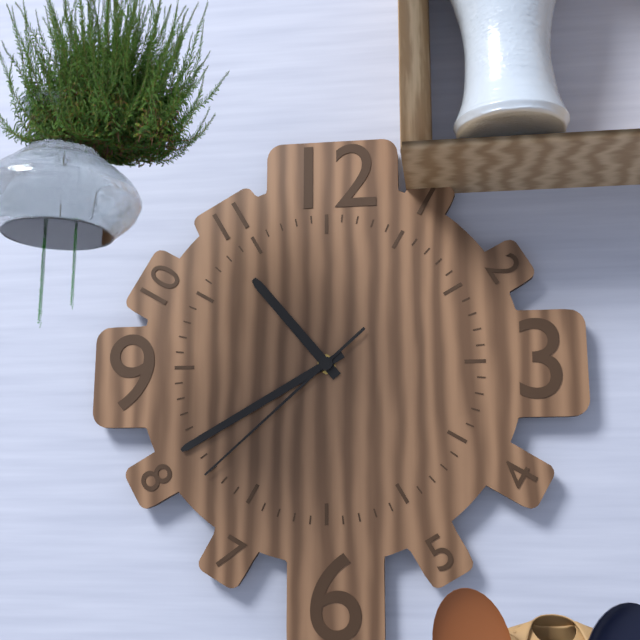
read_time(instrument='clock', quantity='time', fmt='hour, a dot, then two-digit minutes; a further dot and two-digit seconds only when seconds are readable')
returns 10.40.38
